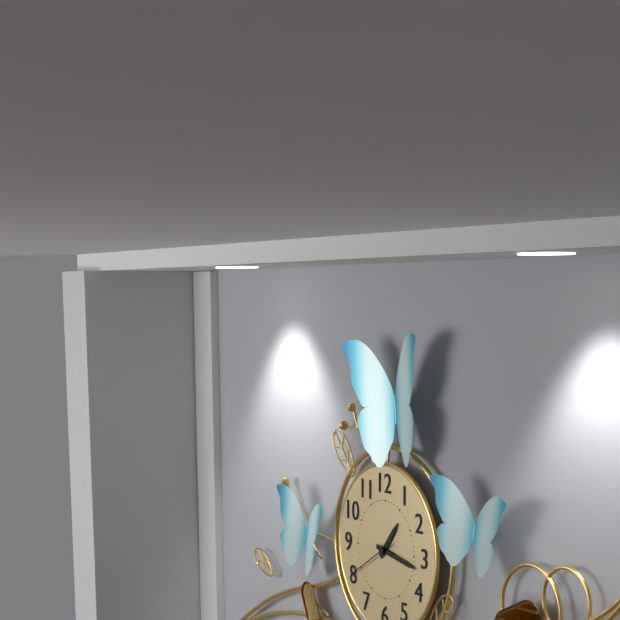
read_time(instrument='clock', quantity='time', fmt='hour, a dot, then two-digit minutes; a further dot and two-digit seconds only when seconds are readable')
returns 1.17.40
